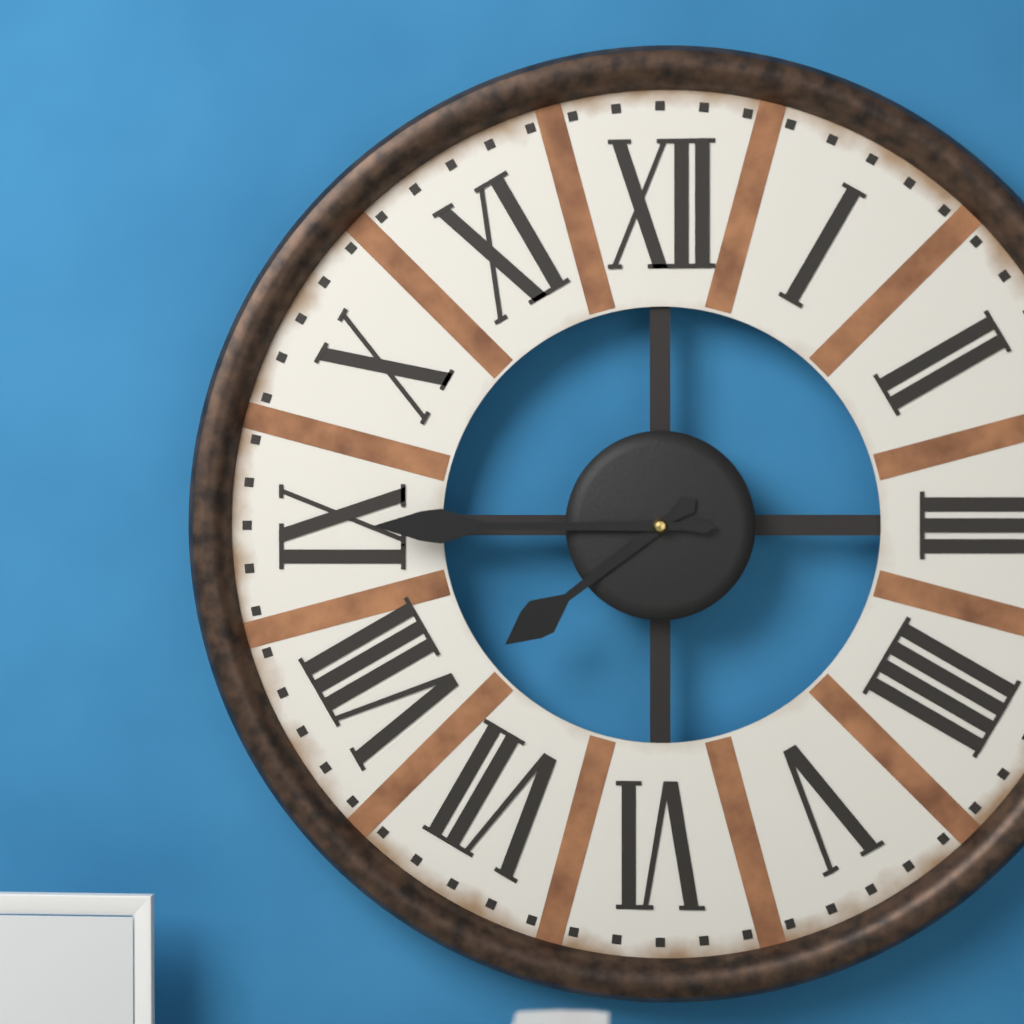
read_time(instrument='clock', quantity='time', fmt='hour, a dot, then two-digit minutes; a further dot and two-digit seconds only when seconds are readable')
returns 7.45
